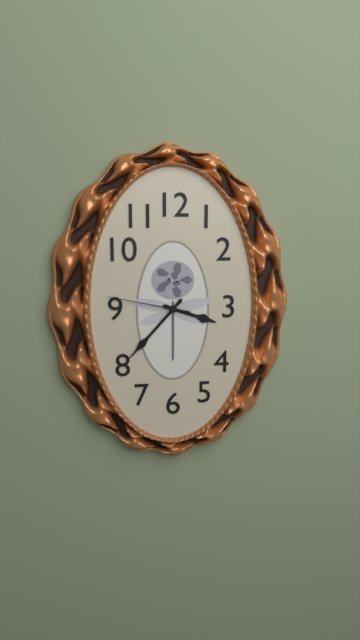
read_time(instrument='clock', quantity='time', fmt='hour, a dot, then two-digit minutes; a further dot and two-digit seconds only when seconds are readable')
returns 3.37.47
